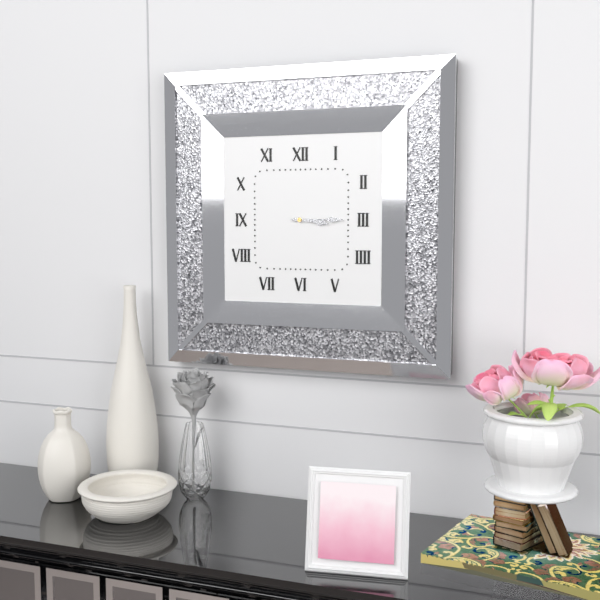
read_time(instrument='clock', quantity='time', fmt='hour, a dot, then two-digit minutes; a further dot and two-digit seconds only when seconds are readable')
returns 3.15
